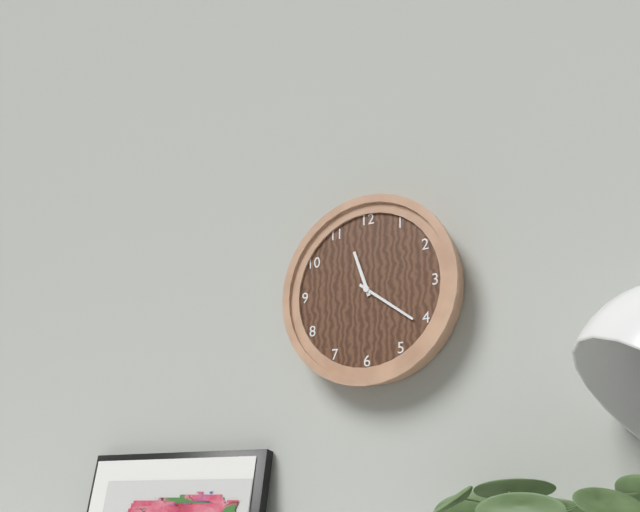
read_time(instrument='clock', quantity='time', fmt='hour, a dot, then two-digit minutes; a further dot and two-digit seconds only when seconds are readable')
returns 11.21
